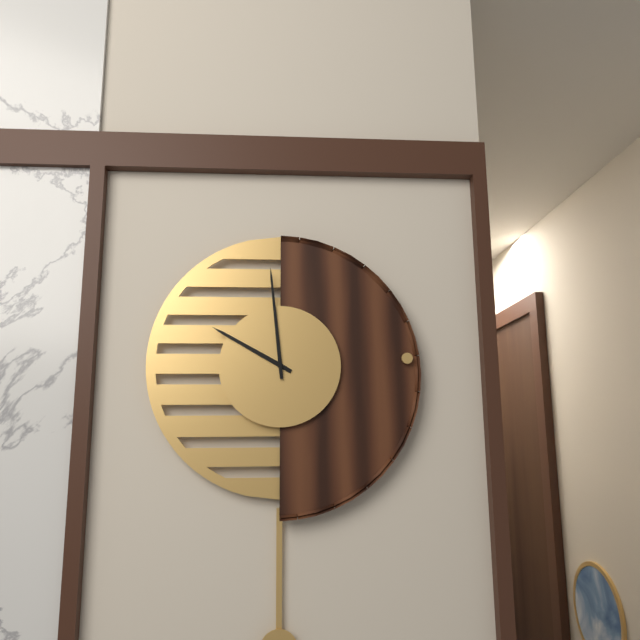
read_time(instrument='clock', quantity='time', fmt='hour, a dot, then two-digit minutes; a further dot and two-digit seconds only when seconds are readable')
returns 9.59
